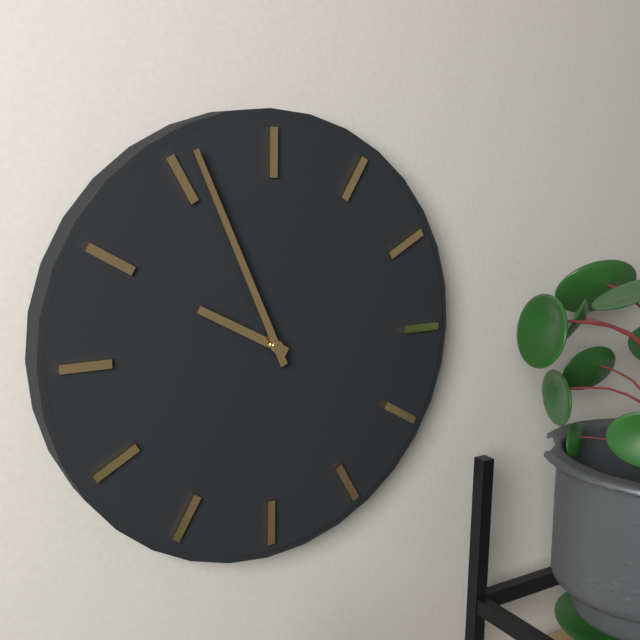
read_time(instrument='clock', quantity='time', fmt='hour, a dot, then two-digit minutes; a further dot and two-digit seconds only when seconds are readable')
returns 9.56
